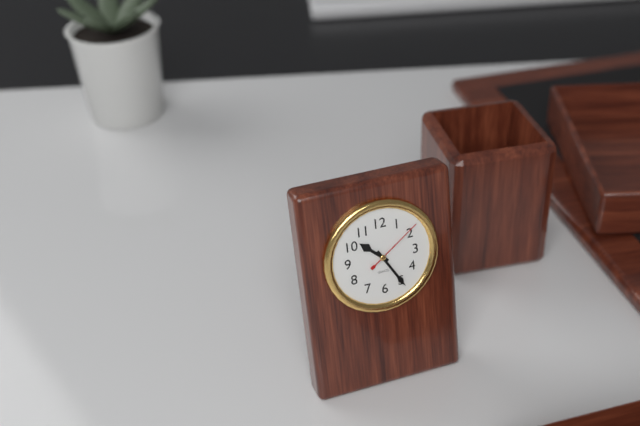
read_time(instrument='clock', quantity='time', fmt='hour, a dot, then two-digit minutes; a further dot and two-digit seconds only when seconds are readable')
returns 10.25.09
